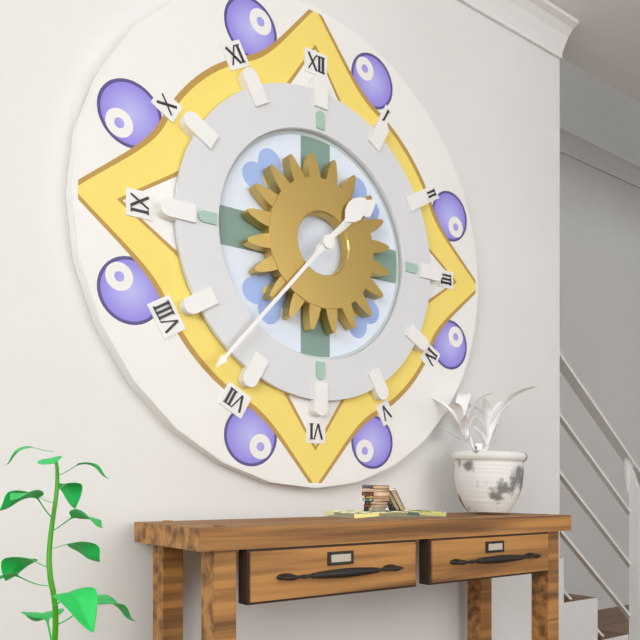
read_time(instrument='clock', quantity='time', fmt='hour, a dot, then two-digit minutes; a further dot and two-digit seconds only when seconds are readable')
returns 1.37
